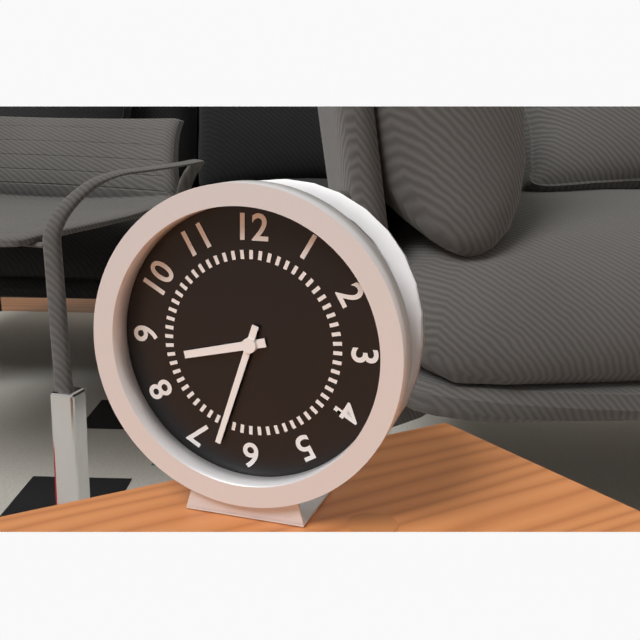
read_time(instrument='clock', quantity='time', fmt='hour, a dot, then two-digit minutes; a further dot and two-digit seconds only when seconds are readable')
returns 8.33
